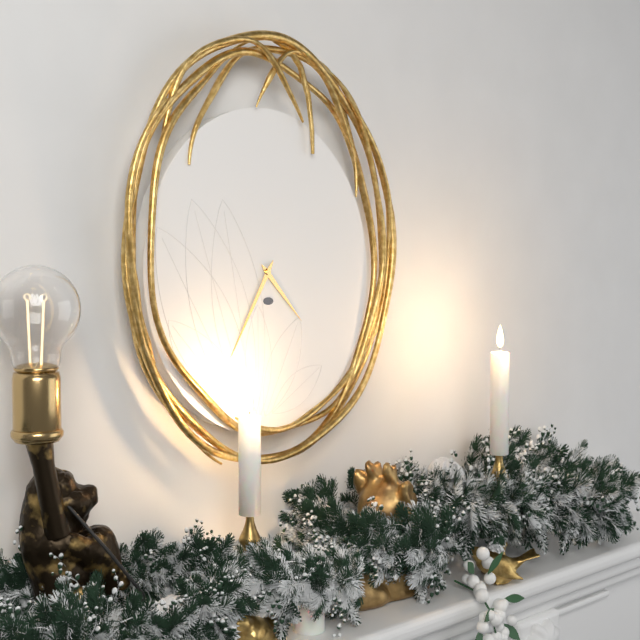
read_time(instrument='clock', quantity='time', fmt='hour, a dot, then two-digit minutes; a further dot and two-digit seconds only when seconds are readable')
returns 4.35
